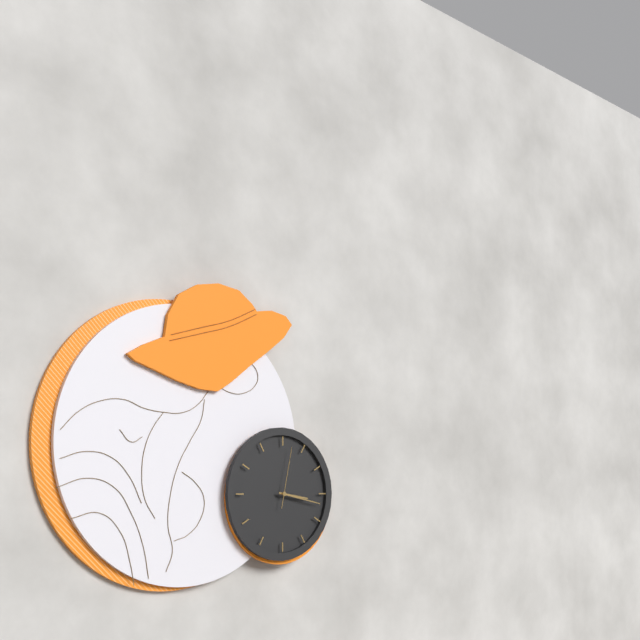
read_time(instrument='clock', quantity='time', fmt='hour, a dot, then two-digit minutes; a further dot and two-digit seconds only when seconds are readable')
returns 3.17.02
